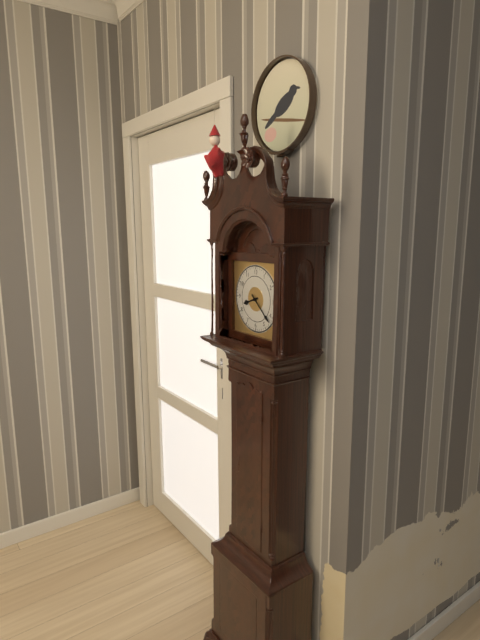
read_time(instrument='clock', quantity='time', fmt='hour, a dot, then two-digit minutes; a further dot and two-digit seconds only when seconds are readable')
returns 8.22
